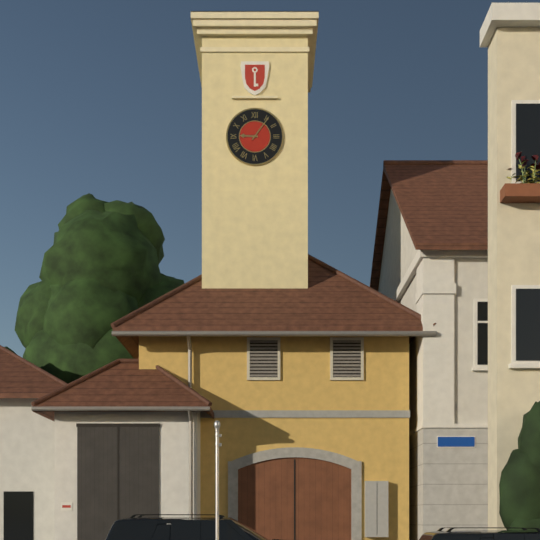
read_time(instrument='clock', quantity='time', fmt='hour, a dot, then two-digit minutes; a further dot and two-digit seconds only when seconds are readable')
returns 9.06
